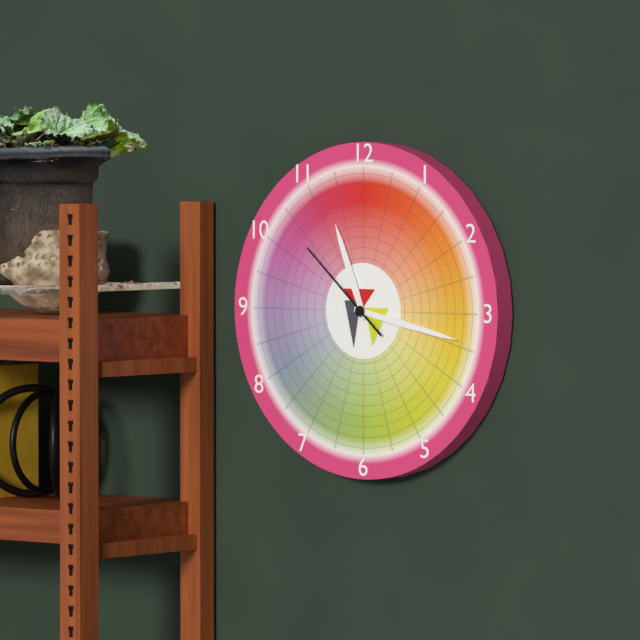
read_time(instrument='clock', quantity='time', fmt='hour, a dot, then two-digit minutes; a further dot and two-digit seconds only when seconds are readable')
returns 11.17.52
